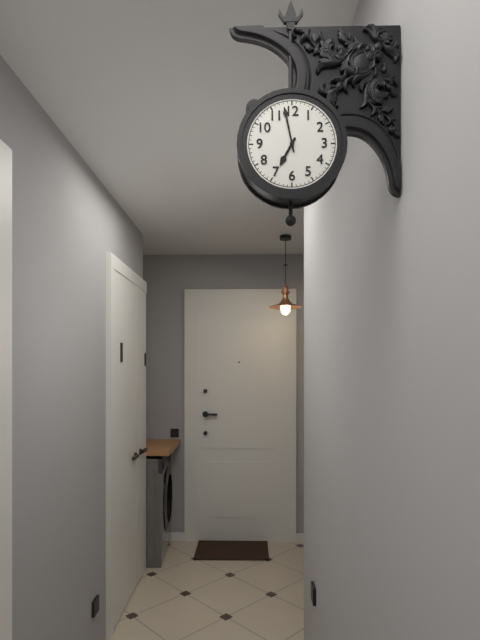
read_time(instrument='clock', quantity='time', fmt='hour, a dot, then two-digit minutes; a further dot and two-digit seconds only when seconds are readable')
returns 6.58
